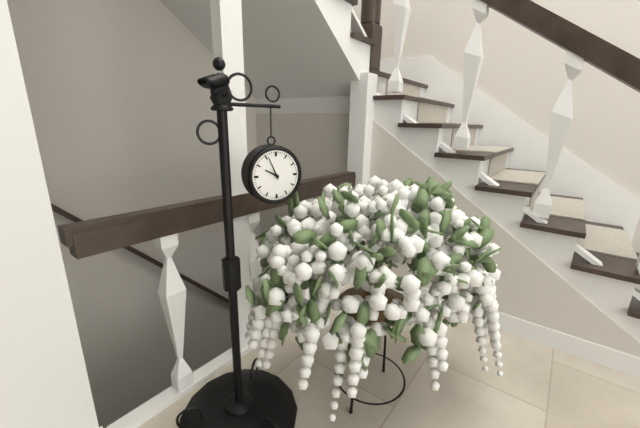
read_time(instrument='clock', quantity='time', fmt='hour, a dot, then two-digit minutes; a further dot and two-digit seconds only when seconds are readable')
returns 9.56
